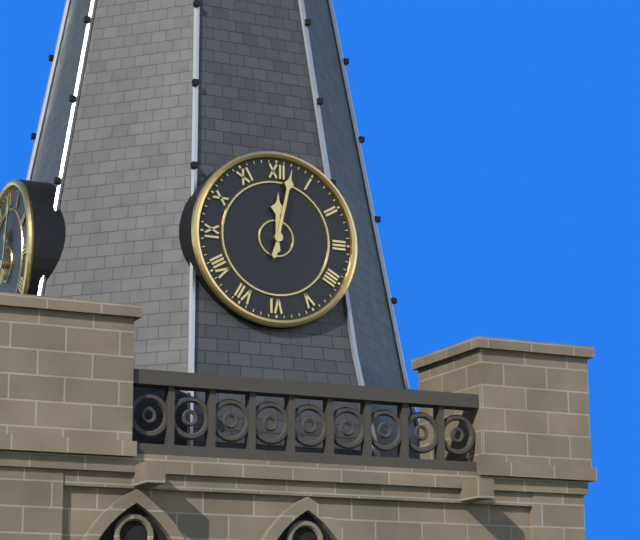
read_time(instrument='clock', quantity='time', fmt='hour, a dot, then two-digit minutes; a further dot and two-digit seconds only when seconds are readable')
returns 12.02
